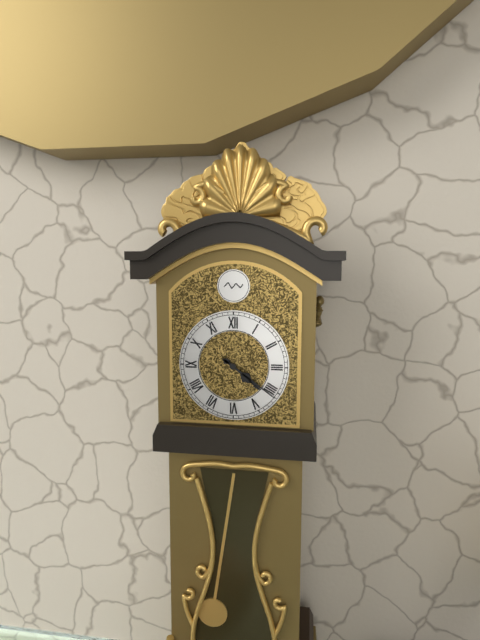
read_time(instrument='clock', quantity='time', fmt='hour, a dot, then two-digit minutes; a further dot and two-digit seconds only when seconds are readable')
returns 4.21
